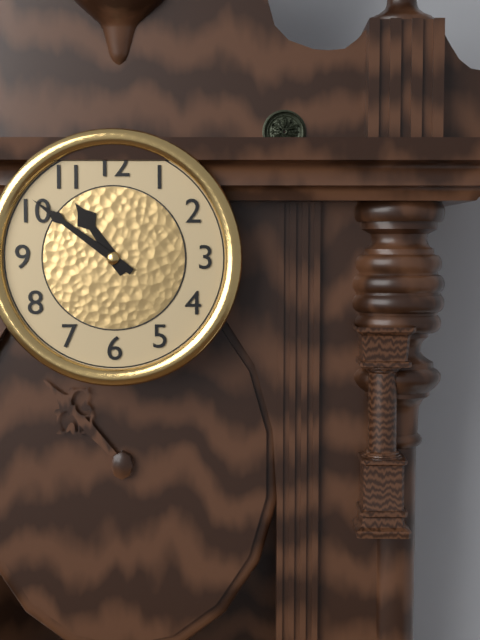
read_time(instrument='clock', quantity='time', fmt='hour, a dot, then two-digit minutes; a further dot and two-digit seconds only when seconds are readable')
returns 10.51
